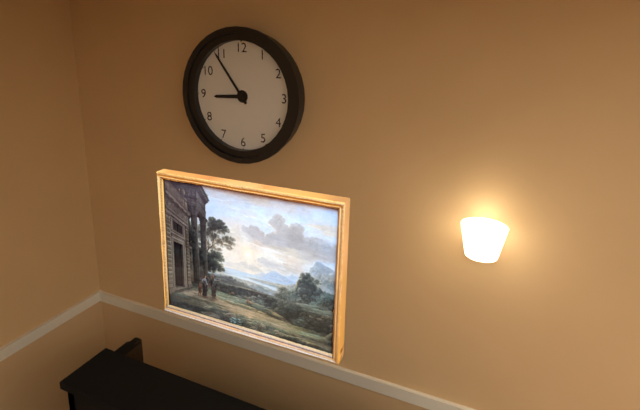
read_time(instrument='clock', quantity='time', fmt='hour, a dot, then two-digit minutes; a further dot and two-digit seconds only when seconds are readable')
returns 8.54
